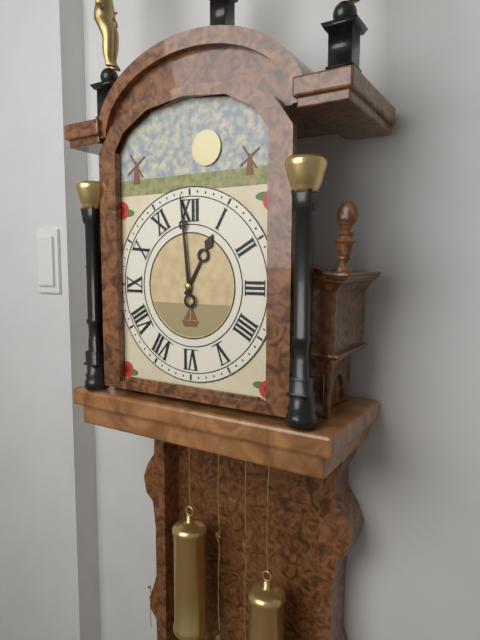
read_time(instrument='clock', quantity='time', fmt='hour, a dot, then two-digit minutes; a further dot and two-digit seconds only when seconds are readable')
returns 12.59
